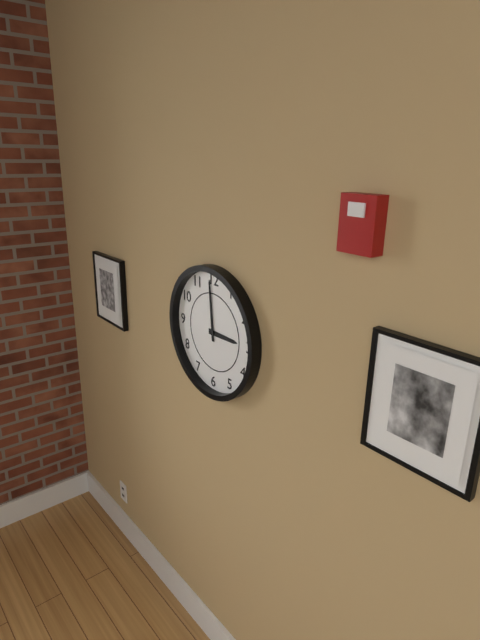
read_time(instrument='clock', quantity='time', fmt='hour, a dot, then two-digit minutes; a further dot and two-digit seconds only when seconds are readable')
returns 2.59
